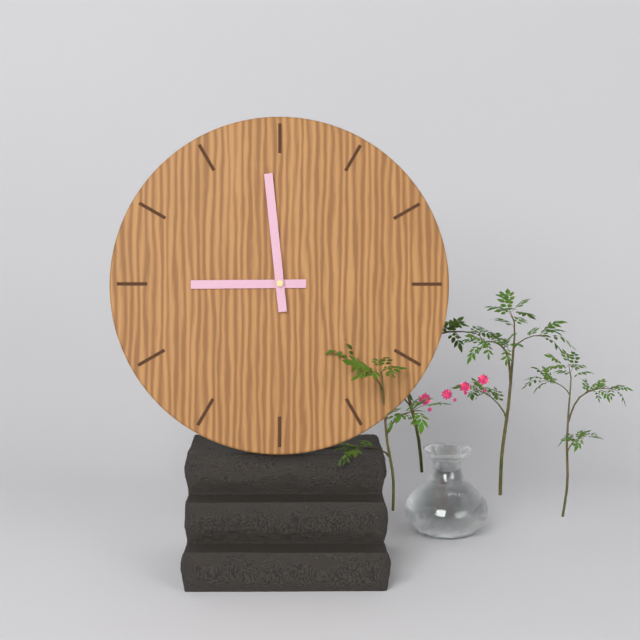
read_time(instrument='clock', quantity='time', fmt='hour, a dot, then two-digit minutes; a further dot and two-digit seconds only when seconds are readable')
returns 8.59
